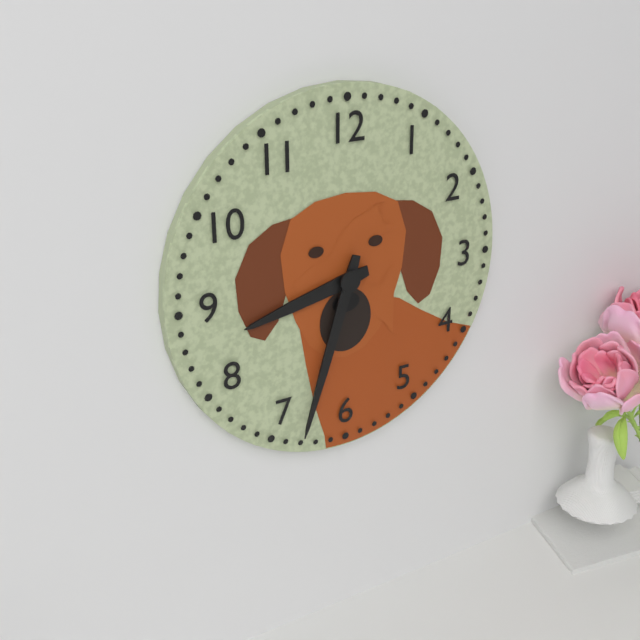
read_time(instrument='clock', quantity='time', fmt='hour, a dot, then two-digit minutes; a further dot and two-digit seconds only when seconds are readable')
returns 8.33
